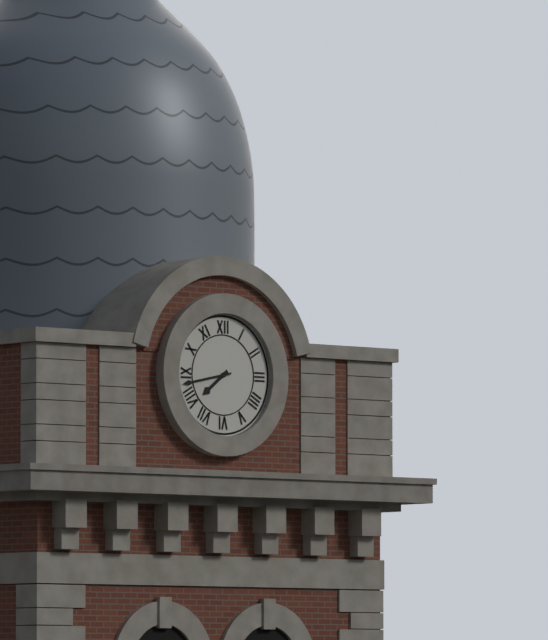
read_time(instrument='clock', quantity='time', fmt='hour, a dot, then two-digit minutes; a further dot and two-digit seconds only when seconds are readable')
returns 7.43
